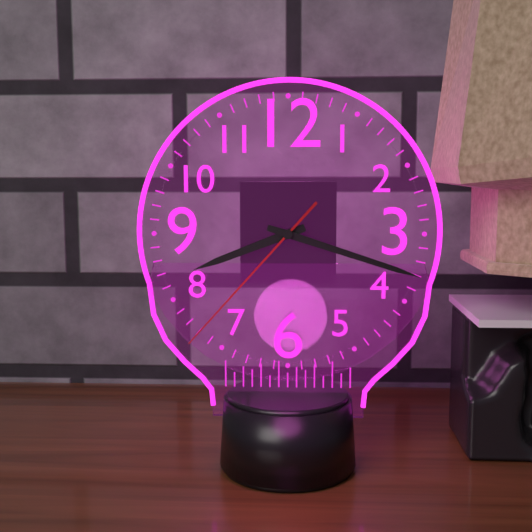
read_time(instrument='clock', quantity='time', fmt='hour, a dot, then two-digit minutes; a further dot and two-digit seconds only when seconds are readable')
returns 8.18.37
